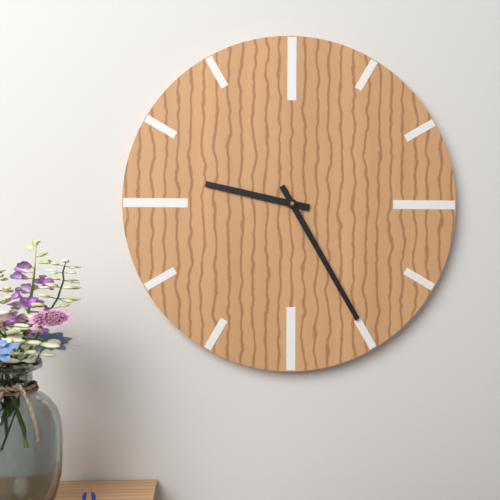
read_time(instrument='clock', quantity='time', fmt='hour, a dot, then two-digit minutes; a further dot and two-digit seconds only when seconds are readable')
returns 9.25
